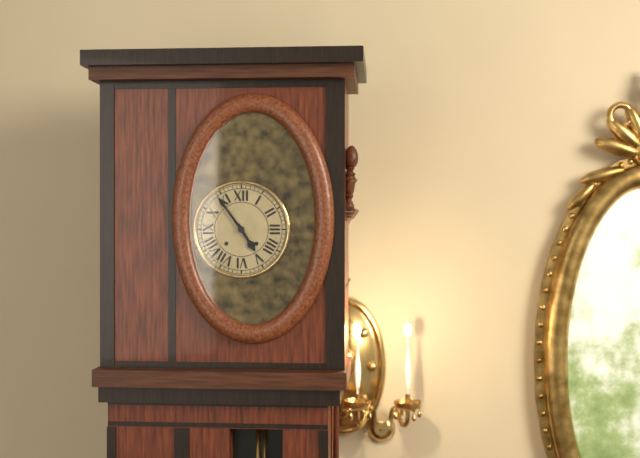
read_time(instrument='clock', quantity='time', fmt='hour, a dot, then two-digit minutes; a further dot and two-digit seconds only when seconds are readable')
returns 4.54
